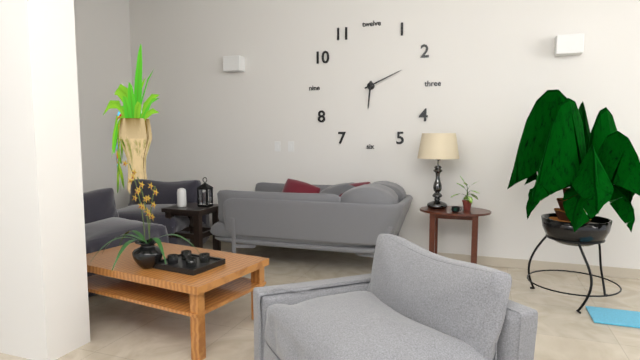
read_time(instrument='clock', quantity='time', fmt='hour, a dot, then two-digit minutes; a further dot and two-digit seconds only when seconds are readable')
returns 6.11
